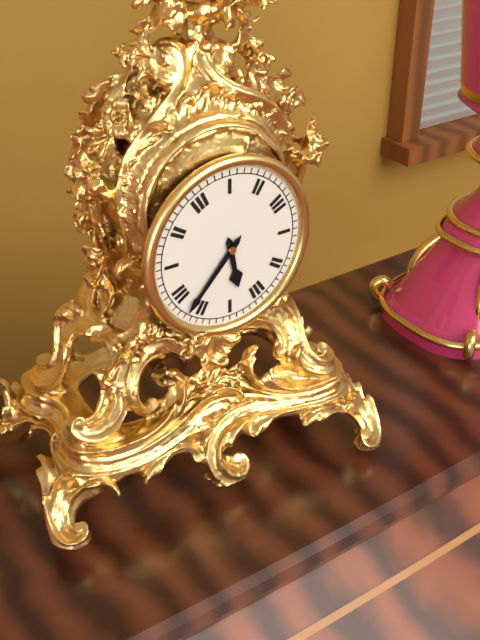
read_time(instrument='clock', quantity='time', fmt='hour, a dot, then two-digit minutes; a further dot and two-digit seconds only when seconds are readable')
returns 5.37
